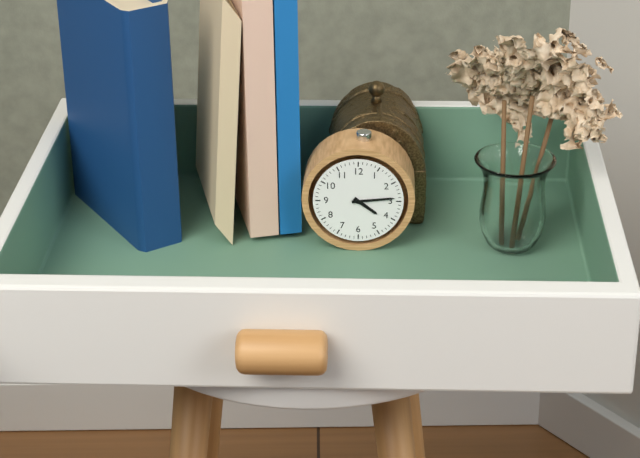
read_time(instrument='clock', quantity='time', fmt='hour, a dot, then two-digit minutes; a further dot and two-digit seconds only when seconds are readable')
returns 4.14
